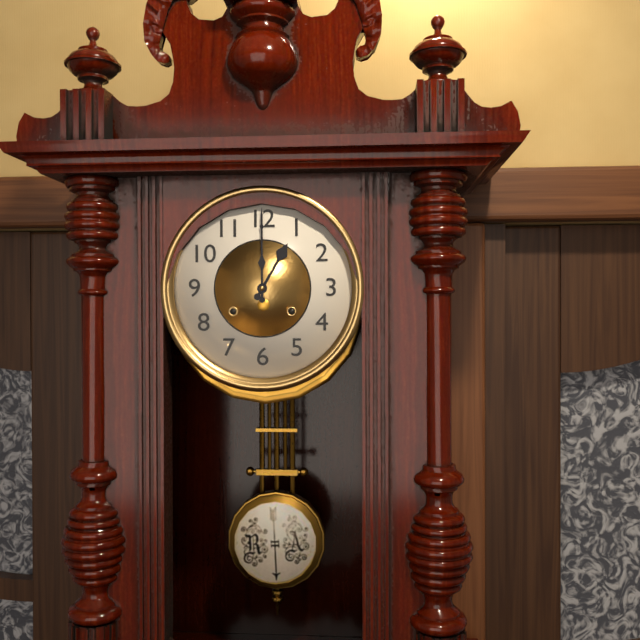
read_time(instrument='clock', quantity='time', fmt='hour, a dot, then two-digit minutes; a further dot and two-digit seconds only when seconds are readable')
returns 1.00
